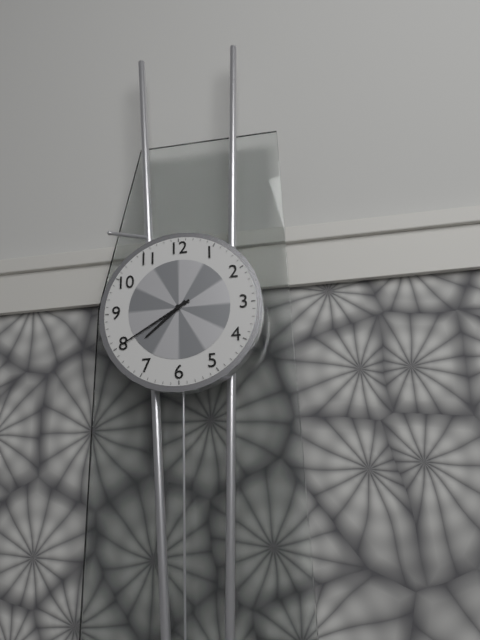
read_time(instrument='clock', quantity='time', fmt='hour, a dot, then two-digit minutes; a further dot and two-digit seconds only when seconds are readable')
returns 7.40
